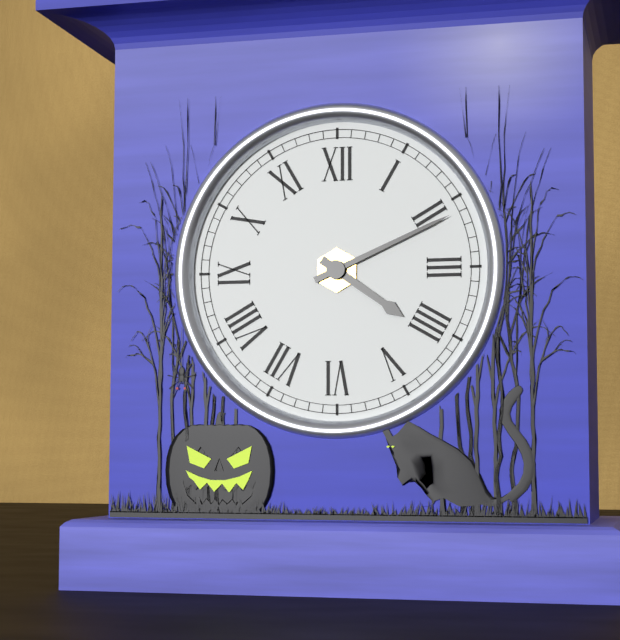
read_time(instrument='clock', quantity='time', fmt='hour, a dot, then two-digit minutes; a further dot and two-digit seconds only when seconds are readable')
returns 4.11
